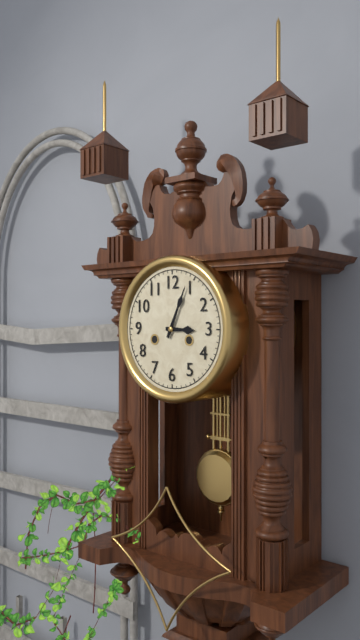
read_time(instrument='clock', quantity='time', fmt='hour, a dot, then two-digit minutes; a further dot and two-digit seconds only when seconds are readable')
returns 3.04
